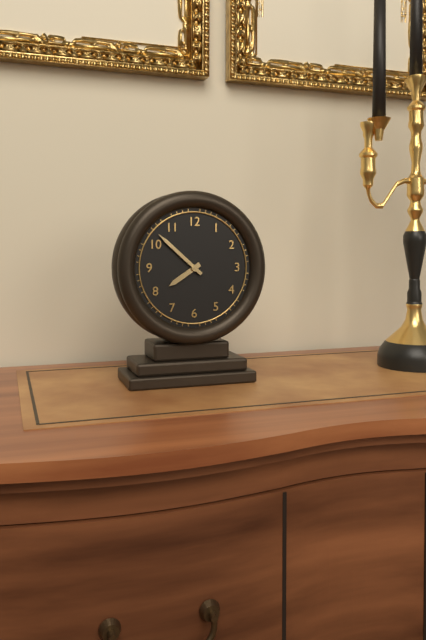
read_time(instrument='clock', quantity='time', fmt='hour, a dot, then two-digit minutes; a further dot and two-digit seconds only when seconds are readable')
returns 7.52
